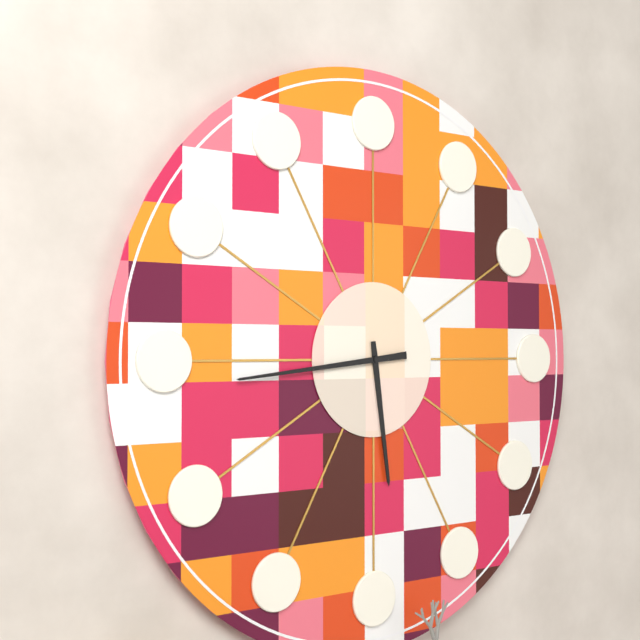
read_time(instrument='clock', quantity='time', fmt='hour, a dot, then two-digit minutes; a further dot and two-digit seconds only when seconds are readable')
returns 5.44
